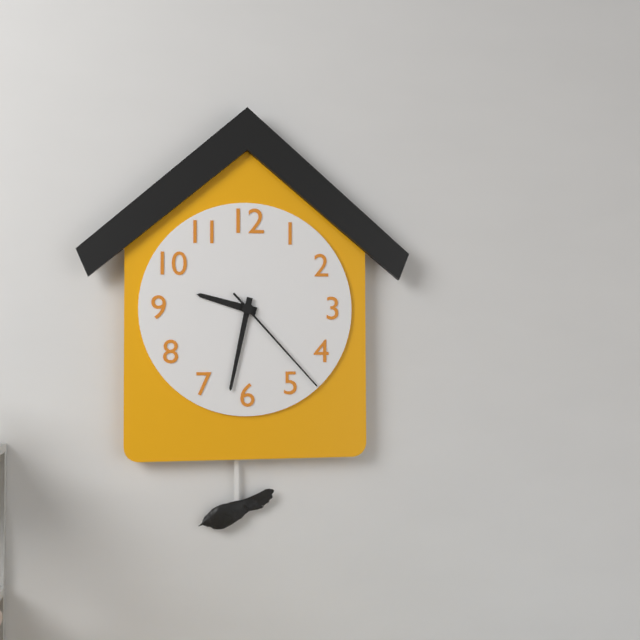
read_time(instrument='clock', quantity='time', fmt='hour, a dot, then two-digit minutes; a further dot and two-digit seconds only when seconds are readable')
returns 9.32.23
